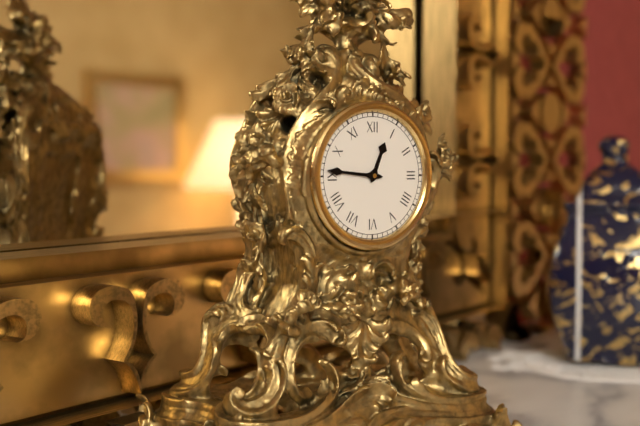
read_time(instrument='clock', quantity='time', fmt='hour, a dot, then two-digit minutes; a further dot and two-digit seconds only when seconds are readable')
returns 12.46
